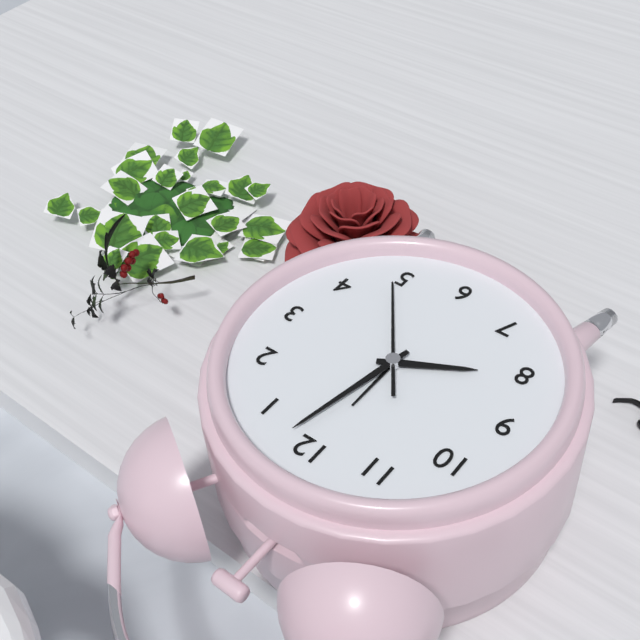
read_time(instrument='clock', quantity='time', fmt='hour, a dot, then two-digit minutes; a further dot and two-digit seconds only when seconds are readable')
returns 8.02.24
